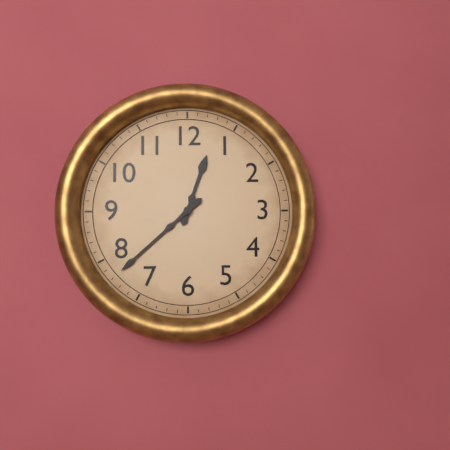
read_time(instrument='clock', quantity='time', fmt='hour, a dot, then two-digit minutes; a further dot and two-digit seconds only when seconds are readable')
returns 12.38
